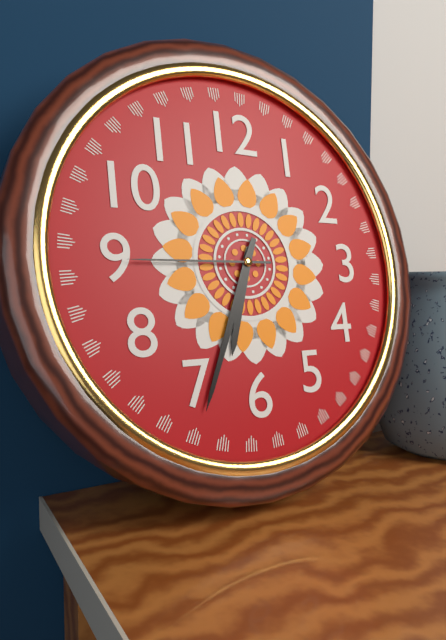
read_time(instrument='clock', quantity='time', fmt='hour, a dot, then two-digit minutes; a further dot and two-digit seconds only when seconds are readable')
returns 6.34.45
